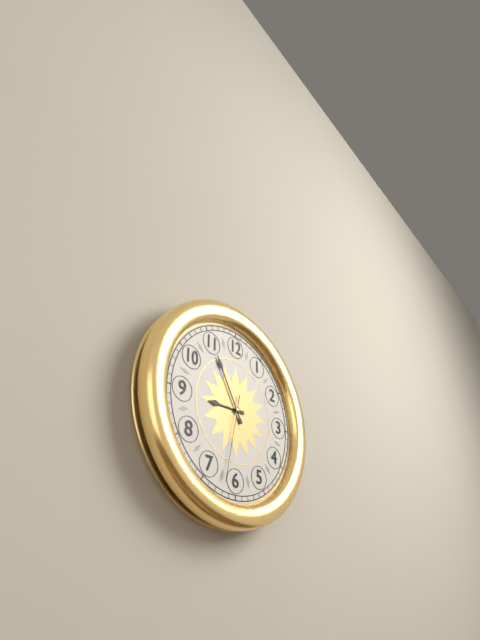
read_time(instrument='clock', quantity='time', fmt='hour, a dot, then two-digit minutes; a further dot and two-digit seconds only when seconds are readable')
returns 8.55.32
